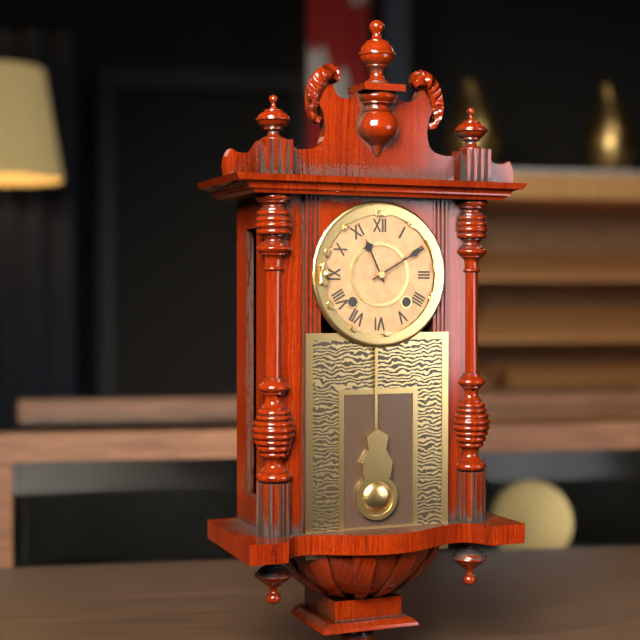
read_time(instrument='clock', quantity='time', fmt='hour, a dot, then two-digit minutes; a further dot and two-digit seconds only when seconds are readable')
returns 11.10
